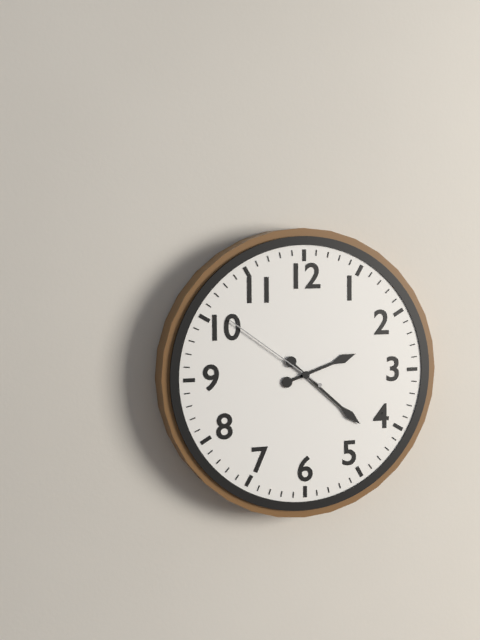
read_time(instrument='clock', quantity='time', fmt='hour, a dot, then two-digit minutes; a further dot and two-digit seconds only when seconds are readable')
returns 2.22.51
